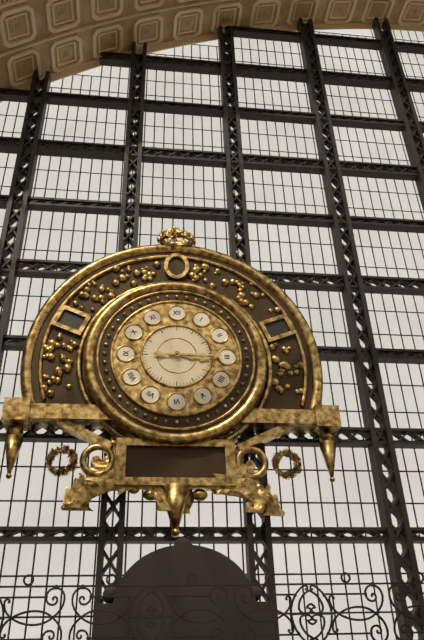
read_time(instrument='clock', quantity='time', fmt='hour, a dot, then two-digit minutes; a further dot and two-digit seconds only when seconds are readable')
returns 3.15
